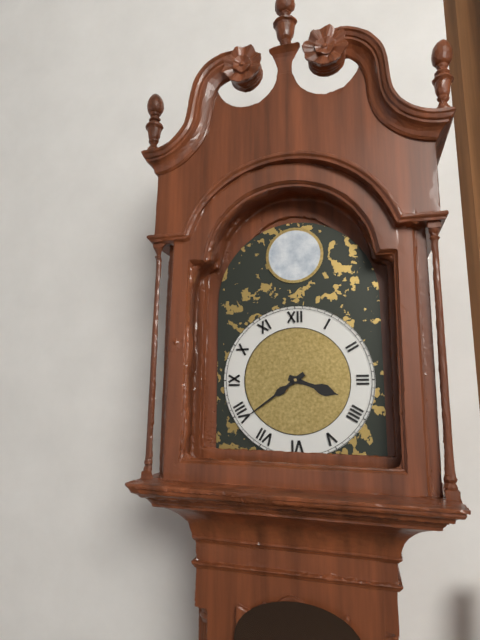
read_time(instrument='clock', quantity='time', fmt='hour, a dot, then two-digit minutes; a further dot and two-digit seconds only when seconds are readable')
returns 3.39
